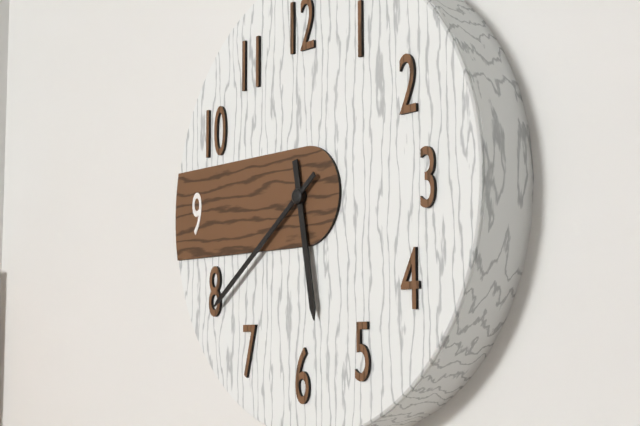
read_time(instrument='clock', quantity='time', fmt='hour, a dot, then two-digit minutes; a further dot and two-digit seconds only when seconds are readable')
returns 5.39
